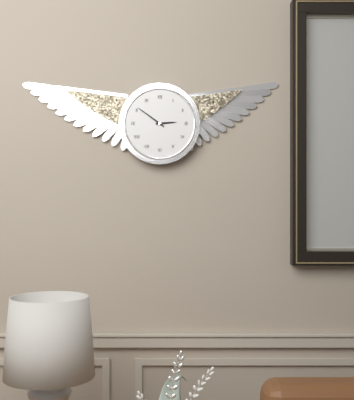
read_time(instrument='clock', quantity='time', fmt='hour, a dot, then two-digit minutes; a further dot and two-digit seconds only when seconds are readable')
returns 2.51
